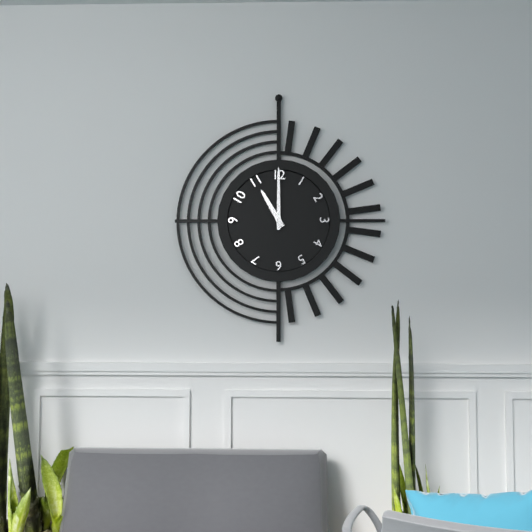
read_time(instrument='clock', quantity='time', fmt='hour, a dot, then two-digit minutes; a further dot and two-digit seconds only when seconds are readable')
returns 11.00
